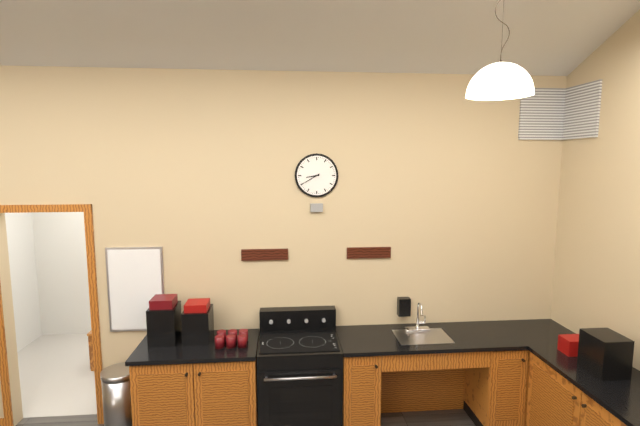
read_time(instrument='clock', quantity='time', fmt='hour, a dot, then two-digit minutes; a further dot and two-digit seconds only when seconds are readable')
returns 8.40
